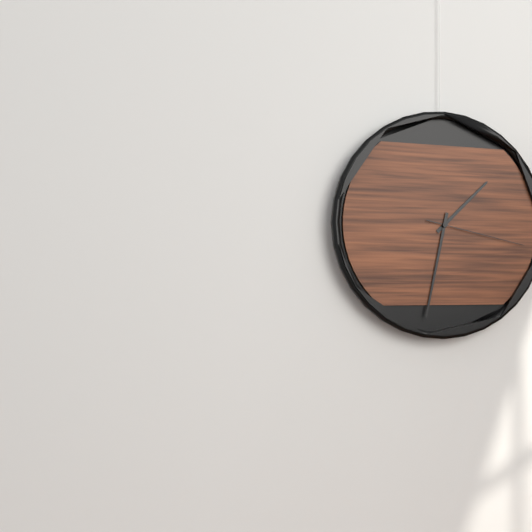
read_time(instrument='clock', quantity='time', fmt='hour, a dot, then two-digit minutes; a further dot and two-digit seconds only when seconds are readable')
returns 1.32.17
